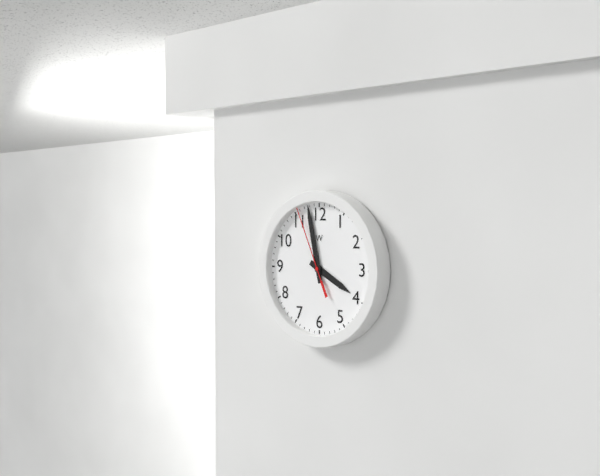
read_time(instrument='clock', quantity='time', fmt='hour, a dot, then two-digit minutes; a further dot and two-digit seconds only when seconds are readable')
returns 3.58.56
